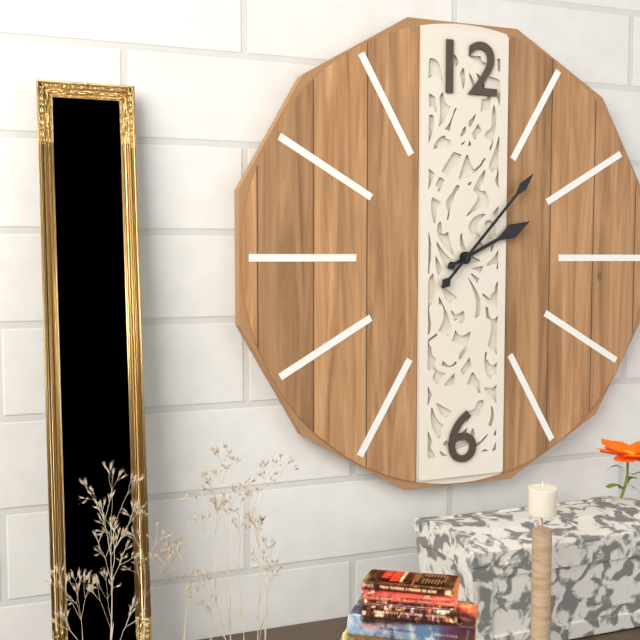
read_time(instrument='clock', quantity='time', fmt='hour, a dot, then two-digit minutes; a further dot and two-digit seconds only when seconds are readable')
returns 2.07
